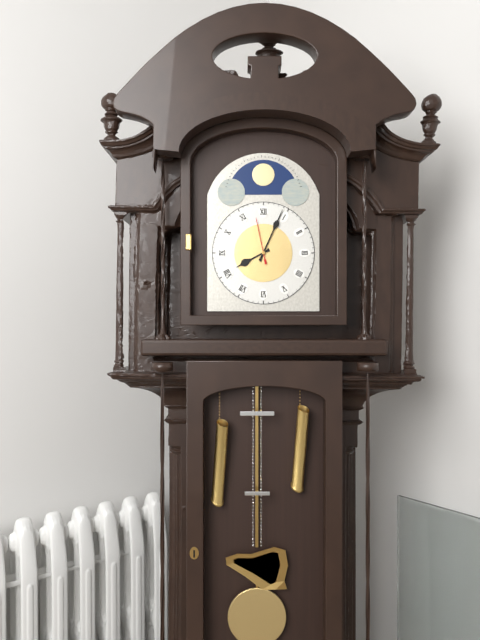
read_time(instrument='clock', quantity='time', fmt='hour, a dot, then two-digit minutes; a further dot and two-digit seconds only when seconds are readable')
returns 8.04
